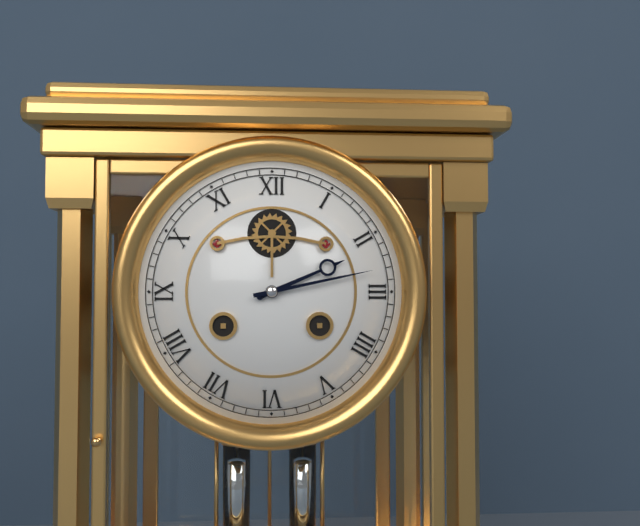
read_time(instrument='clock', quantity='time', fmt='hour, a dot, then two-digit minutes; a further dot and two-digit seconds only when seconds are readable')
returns 2.13
